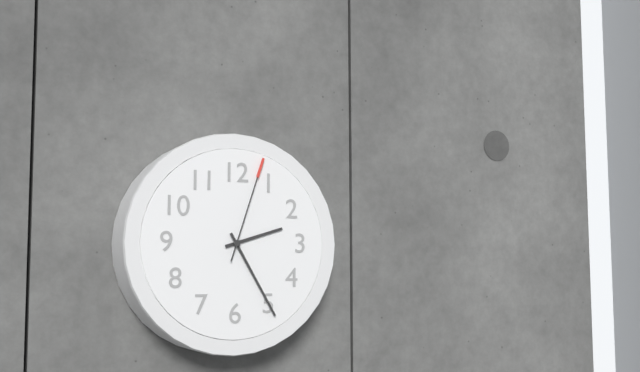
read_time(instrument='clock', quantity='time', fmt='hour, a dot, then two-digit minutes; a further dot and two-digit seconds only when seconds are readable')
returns 2.25.03
